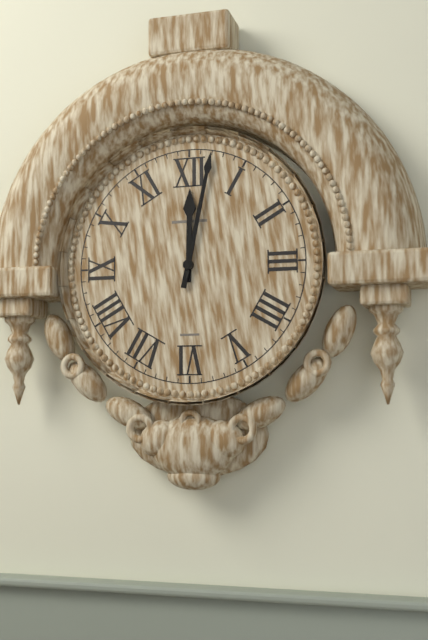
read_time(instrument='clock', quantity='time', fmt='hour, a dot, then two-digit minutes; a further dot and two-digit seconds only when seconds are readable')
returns 12.02
